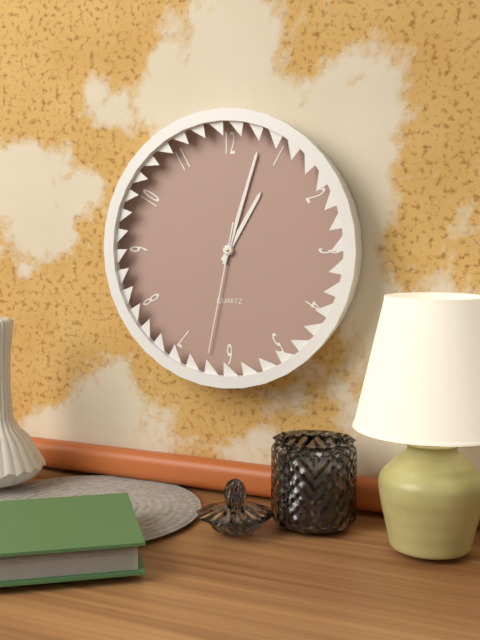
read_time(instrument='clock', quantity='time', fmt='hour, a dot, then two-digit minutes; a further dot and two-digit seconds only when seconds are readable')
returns 1.03.32
